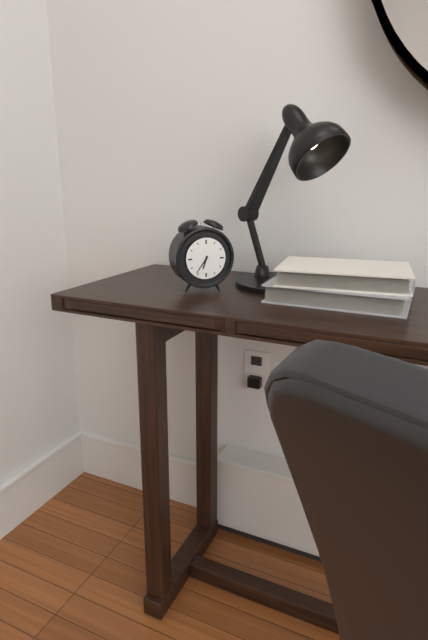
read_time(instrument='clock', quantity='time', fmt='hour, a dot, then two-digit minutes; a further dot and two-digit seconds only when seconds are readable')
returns 6.36
